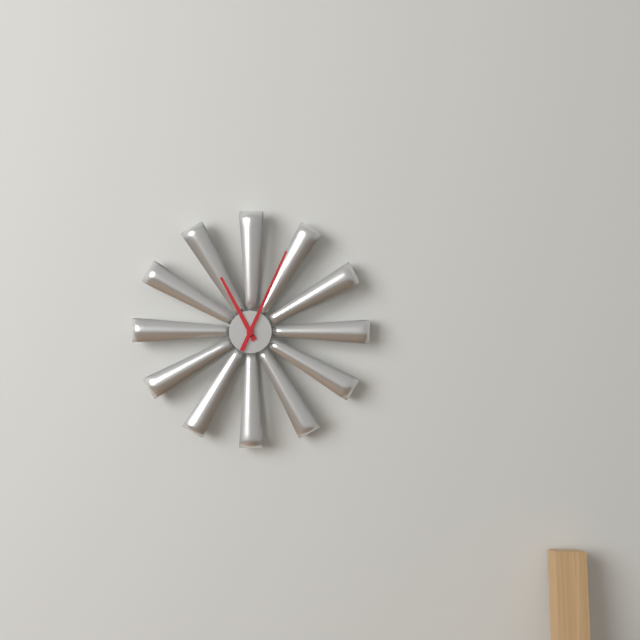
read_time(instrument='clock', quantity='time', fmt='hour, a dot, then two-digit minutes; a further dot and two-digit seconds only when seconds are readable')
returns 11.04
